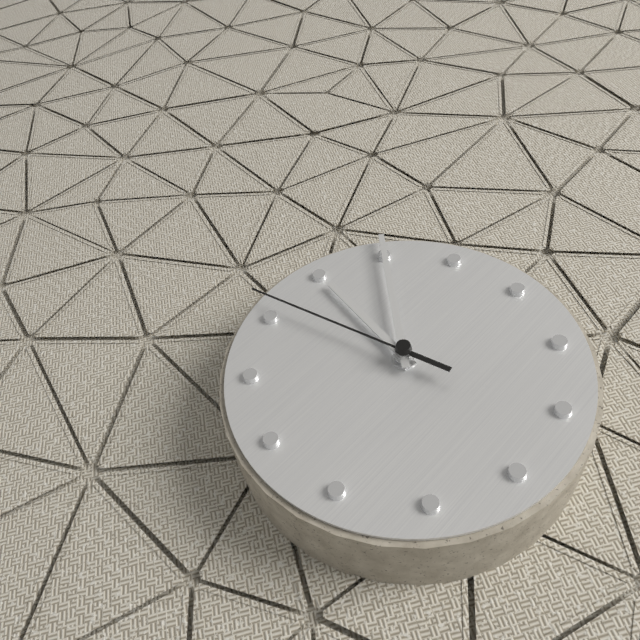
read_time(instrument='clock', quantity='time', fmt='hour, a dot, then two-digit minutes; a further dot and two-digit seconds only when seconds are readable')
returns 11.00.51
